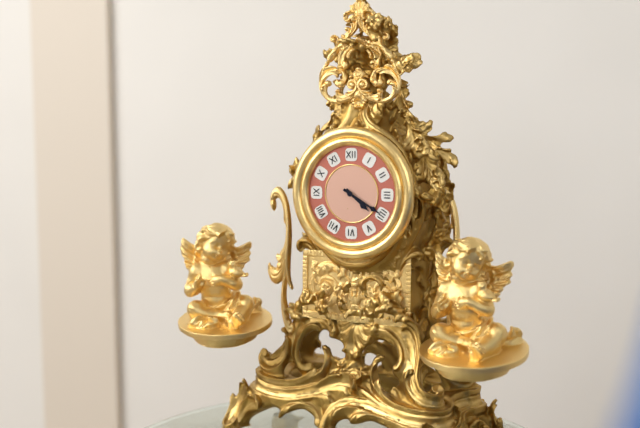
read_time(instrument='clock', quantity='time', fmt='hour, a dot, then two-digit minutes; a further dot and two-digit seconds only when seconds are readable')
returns 4.20
